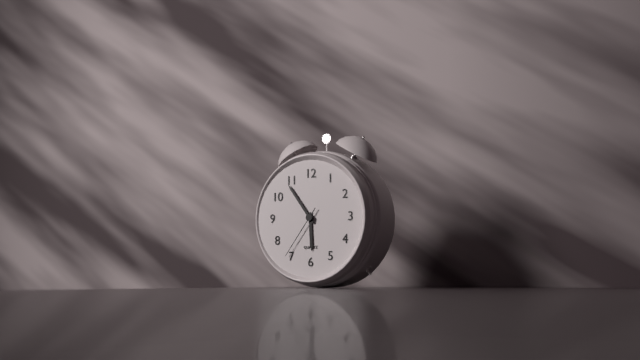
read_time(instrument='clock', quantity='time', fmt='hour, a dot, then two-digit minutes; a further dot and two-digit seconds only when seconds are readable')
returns 5.54.36
